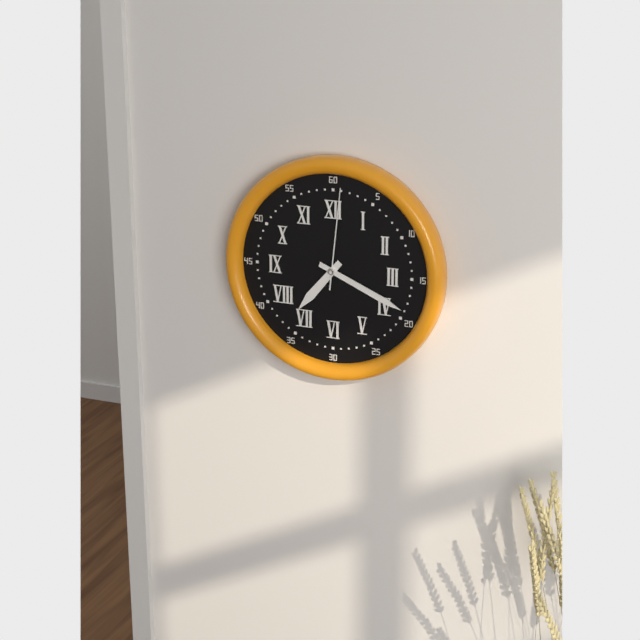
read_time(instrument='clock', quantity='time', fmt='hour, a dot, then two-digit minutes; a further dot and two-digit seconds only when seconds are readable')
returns 7.19.01
